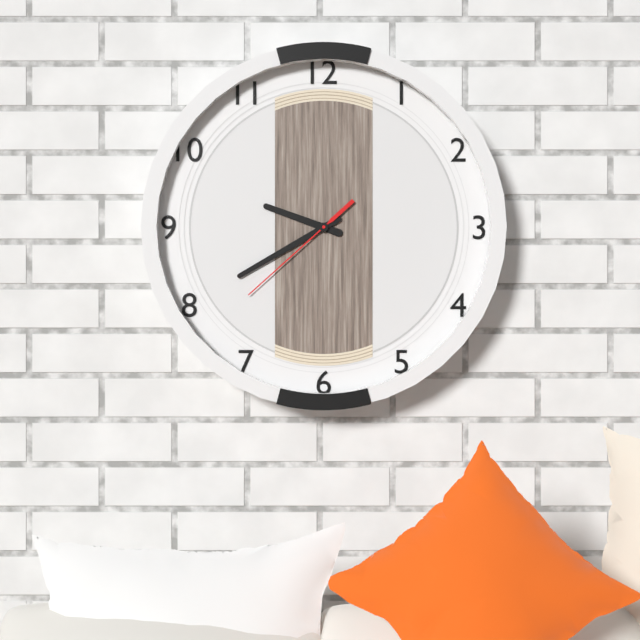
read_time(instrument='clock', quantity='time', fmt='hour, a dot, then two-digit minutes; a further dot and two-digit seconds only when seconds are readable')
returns 9.40.38
